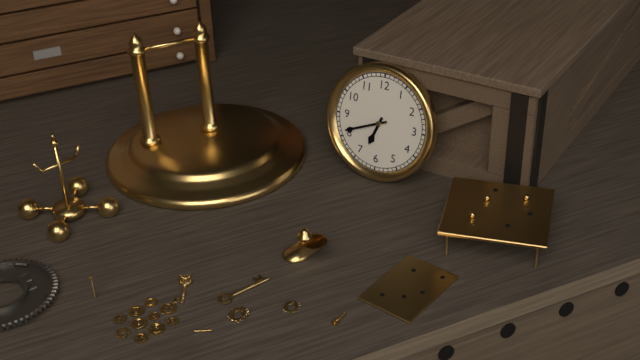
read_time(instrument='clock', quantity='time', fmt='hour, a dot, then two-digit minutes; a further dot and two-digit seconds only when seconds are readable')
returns 6.41
